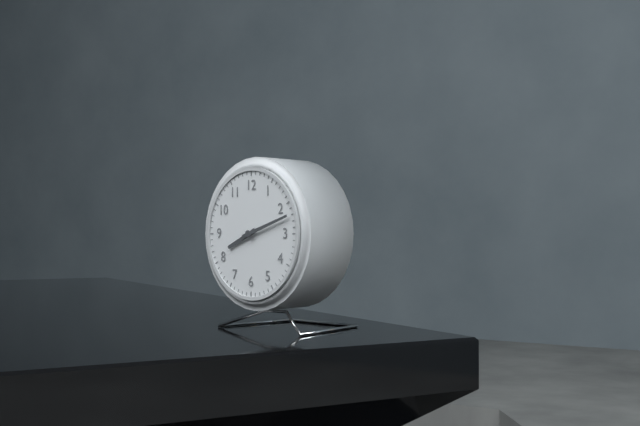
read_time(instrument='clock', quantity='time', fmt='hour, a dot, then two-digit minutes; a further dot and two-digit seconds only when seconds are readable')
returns 8.12
